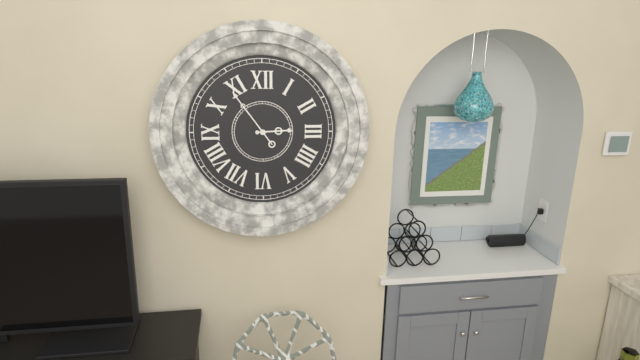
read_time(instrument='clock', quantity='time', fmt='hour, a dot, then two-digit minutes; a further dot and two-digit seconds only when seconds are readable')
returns 2.54
